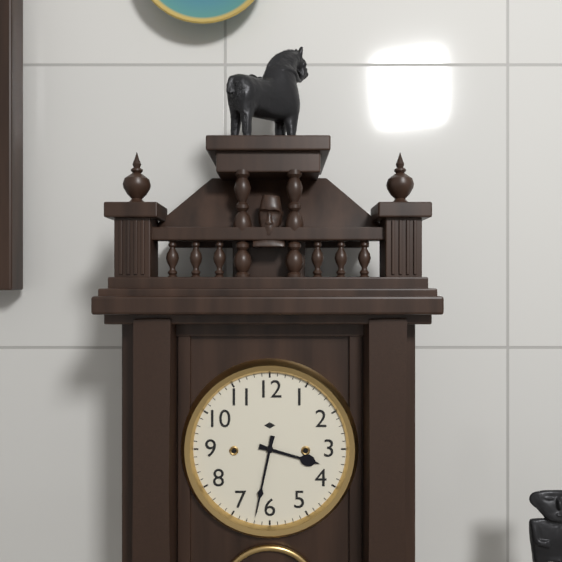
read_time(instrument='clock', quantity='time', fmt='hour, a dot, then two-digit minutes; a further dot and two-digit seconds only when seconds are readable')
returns 3.32
